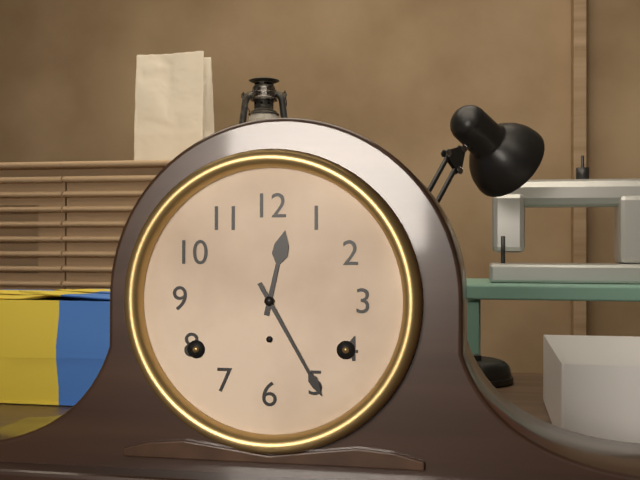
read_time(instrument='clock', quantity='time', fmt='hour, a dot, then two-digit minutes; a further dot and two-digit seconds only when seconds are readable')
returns 12.25
